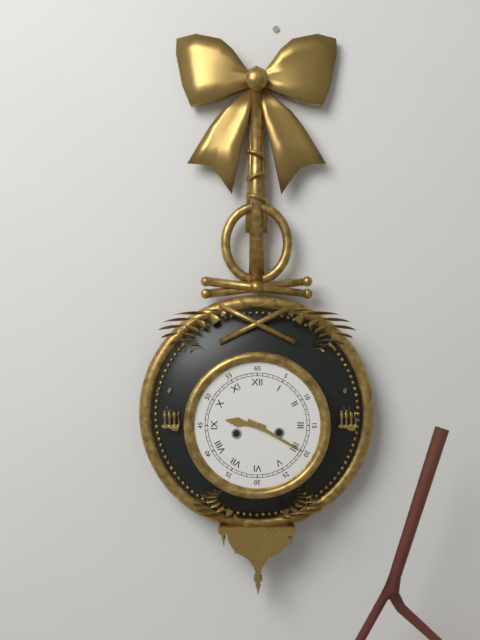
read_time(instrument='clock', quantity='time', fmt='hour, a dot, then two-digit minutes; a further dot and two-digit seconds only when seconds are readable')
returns 9.20
